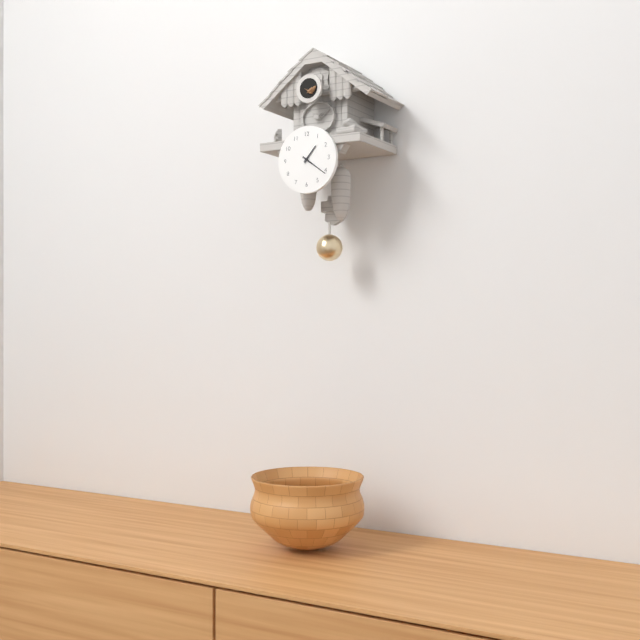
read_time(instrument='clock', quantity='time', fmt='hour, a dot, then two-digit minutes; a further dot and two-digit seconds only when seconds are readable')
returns 1.21
